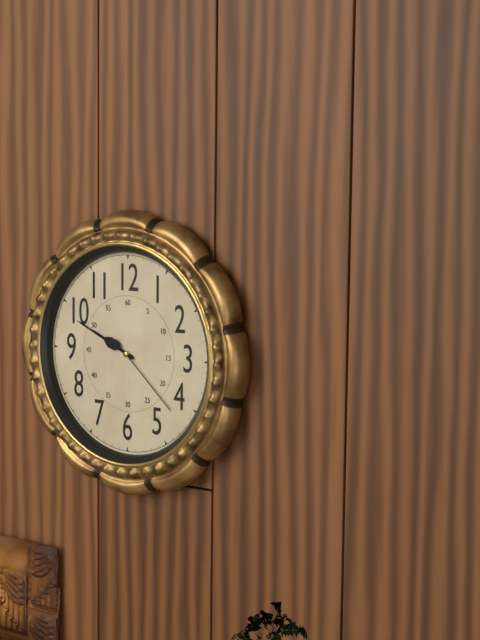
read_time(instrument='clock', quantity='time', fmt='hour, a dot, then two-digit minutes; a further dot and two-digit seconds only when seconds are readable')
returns 9.49.22
